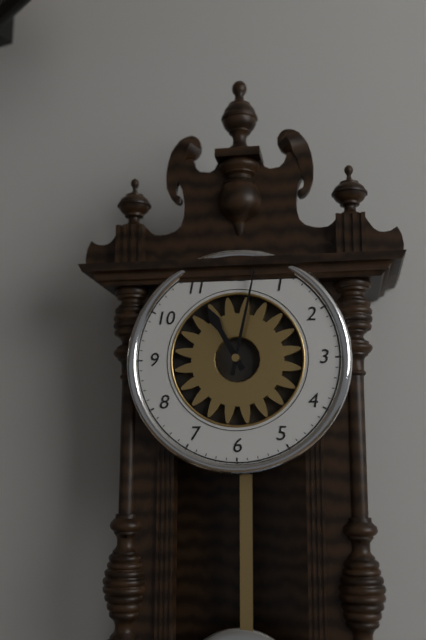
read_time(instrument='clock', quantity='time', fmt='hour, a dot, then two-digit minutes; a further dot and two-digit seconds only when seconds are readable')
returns 11.02
